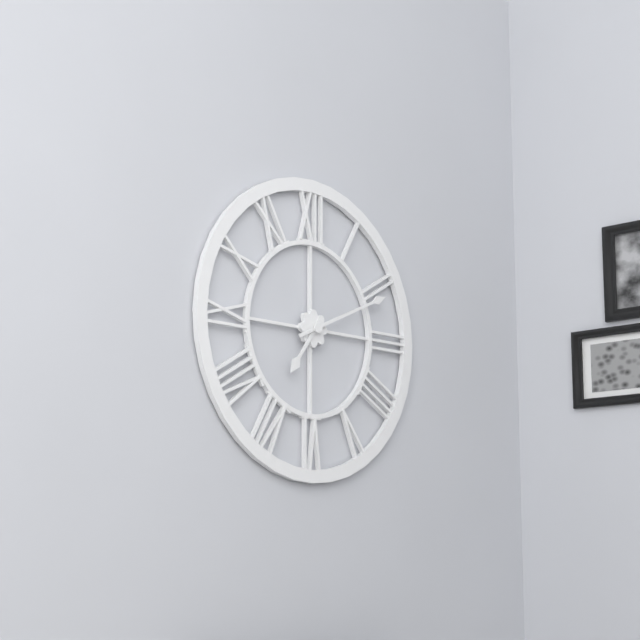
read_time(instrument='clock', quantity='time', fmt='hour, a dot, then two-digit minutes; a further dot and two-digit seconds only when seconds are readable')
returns 7.11
